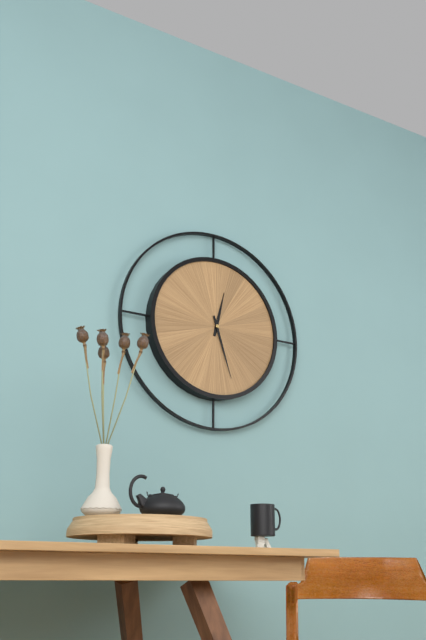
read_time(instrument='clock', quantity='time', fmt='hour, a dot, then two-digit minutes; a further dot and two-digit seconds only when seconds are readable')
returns 12.27
